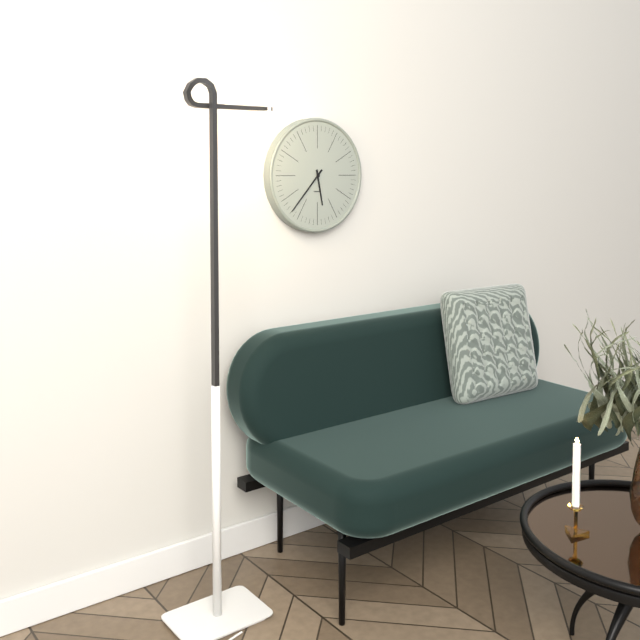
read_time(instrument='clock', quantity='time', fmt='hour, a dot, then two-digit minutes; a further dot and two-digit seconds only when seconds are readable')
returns 5.37
